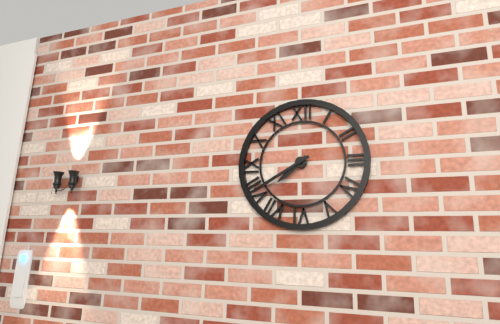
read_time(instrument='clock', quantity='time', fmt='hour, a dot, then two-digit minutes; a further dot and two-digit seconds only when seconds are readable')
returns 7.40
